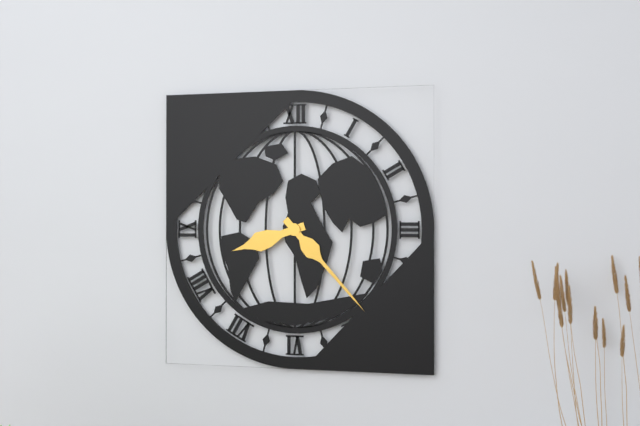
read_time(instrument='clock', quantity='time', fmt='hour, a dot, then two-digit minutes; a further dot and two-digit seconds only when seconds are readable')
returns 8.23
